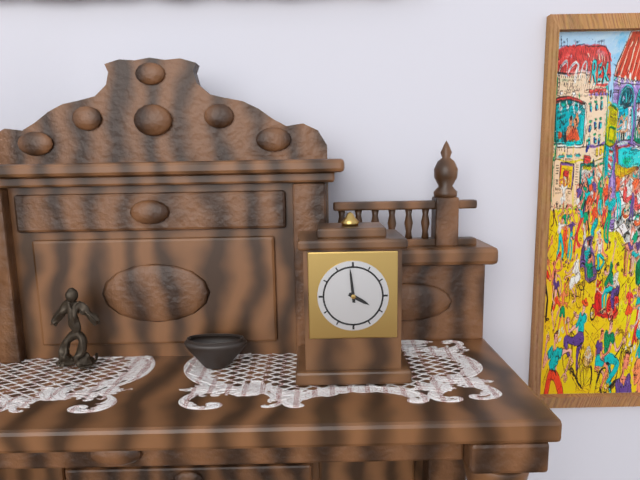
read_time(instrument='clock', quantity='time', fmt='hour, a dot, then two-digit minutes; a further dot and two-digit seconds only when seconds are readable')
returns 3.59
